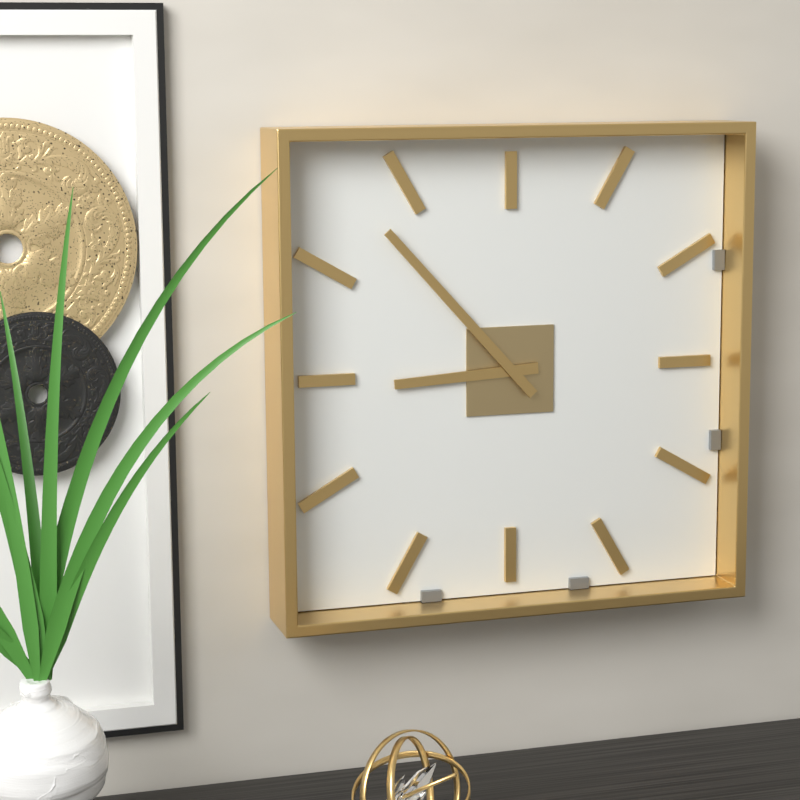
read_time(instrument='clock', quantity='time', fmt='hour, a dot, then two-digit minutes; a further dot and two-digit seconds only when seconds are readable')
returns 8.53
